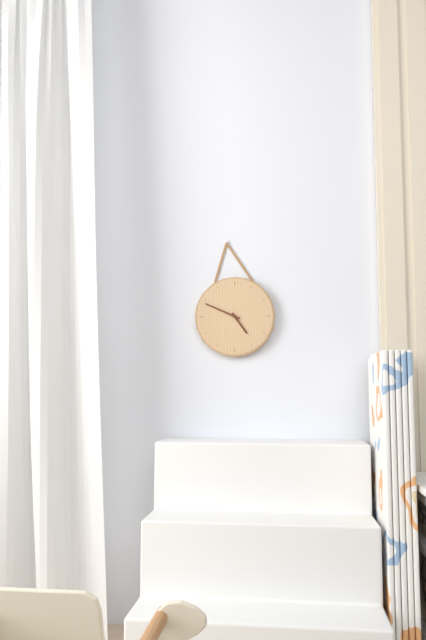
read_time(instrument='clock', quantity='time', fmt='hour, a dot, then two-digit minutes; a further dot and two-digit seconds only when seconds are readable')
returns 4.49
